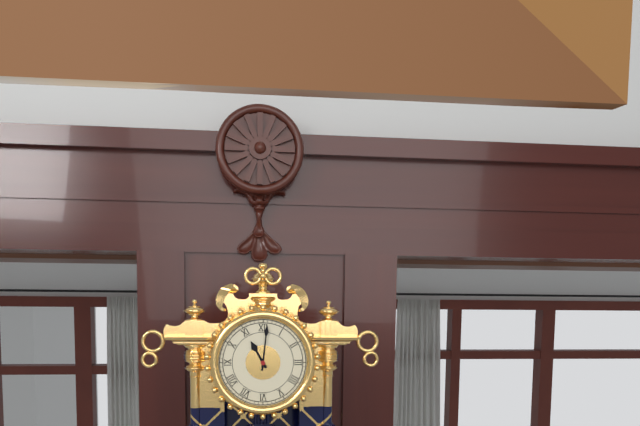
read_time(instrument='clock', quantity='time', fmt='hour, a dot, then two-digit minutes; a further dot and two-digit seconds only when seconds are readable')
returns 11.01
